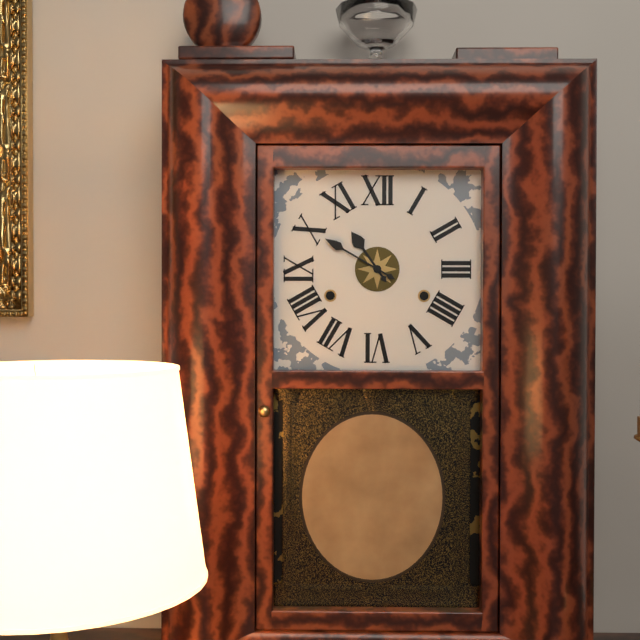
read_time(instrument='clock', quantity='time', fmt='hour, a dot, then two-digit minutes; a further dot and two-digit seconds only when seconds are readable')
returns 10.50
